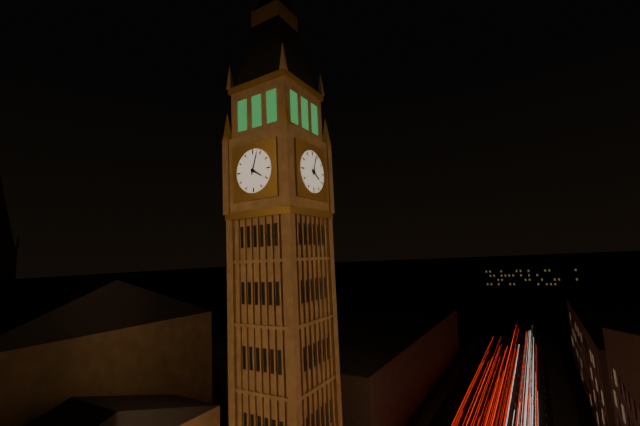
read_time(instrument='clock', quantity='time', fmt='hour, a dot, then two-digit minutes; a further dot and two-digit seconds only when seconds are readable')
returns 4.03
